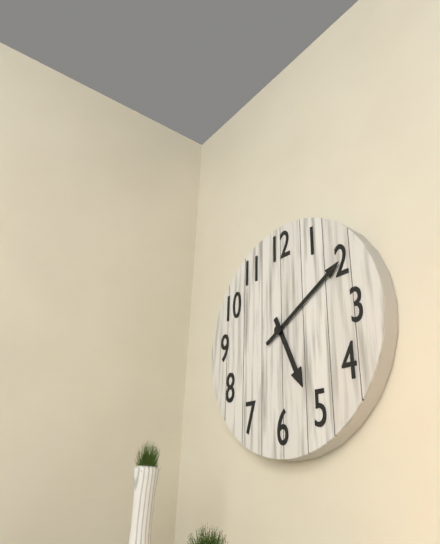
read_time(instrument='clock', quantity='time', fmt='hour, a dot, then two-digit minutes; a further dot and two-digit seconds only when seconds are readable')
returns 5.10
